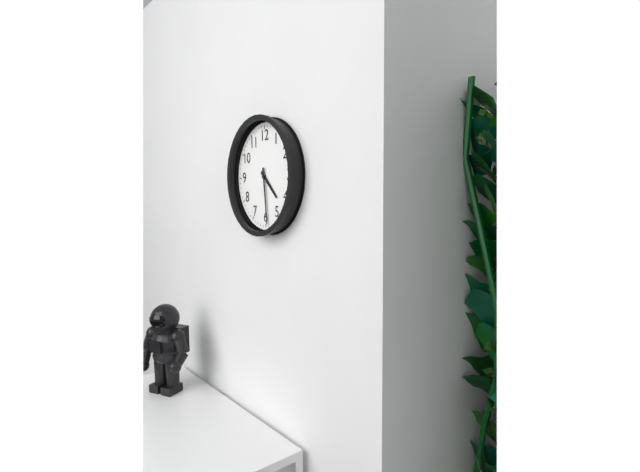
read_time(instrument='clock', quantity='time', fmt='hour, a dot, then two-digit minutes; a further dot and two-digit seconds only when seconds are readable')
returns 4.29
